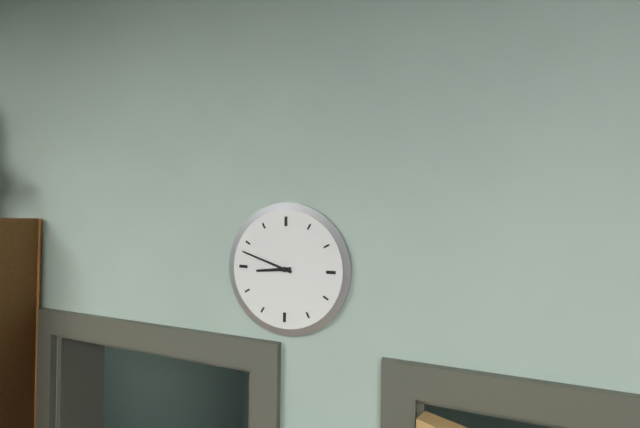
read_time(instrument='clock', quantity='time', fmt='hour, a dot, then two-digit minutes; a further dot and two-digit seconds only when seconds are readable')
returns 8.48
